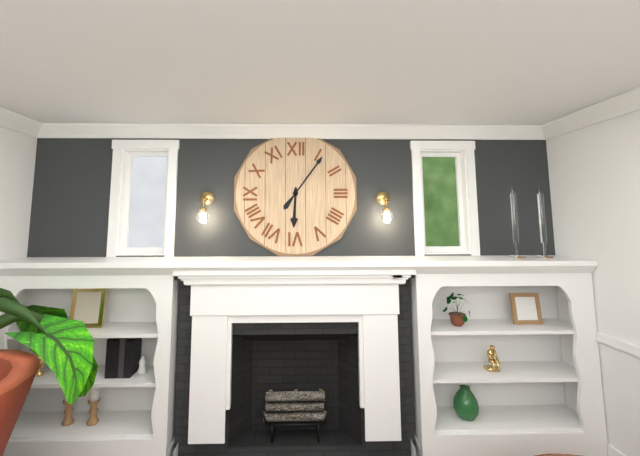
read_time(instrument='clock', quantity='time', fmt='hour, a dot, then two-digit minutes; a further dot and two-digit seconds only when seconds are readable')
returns 6.06
